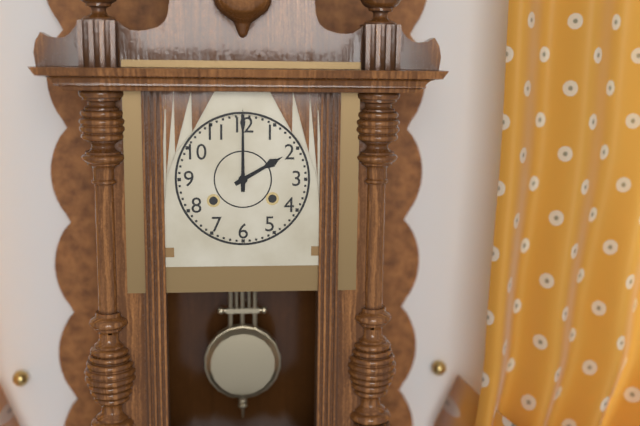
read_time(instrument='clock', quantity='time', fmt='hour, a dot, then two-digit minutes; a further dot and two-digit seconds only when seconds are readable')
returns 2.00
